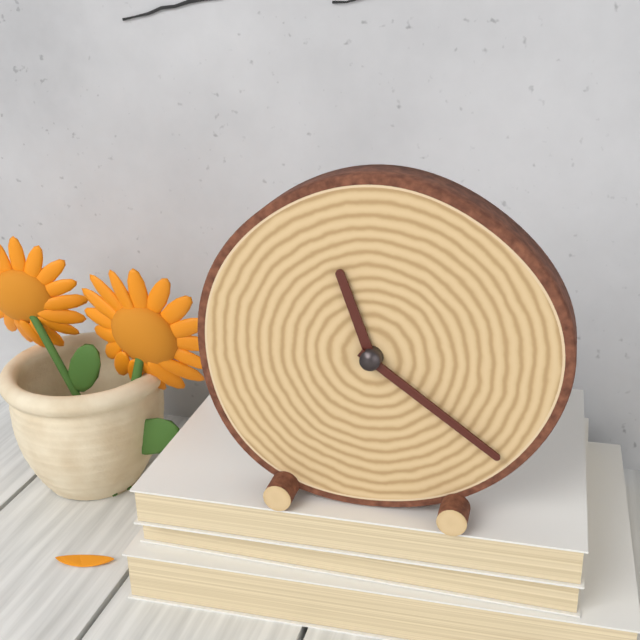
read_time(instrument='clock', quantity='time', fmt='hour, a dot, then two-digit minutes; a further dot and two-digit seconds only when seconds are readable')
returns 11.21
